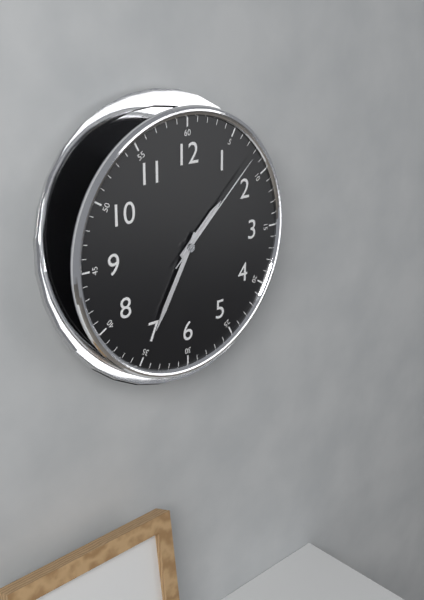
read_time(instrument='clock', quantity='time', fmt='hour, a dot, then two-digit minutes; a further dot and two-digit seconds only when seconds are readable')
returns 1.35.08
